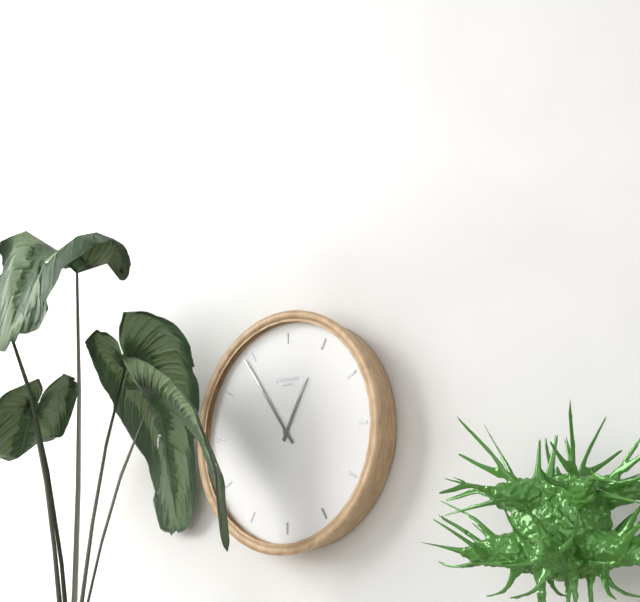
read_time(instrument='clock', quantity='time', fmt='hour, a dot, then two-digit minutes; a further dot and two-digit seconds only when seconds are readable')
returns 12.54
